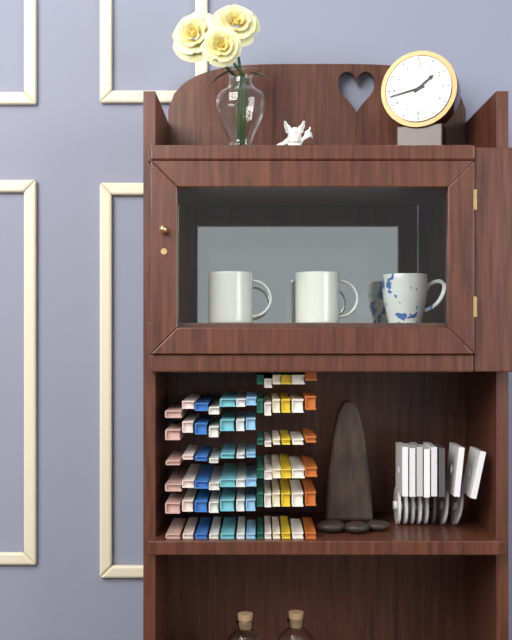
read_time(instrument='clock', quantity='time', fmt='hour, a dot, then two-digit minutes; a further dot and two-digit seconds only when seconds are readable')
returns 1.43
